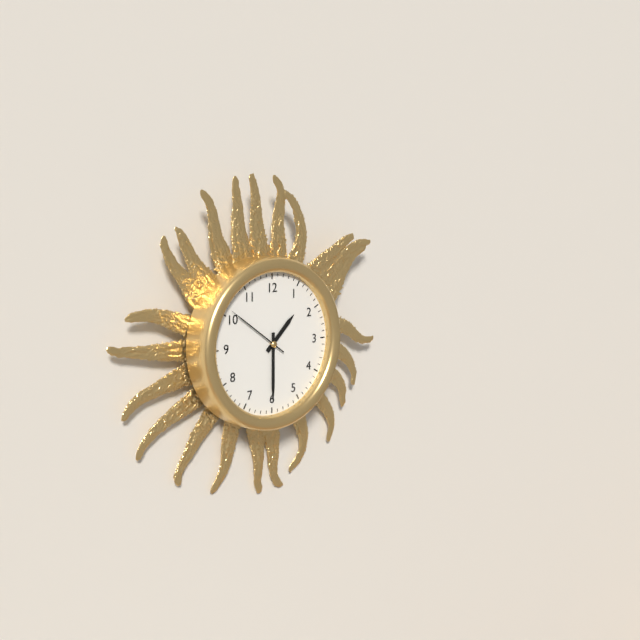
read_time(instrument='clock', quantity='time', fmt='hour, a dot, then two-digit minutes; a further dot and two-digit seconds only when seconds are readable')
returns 1.30.51
